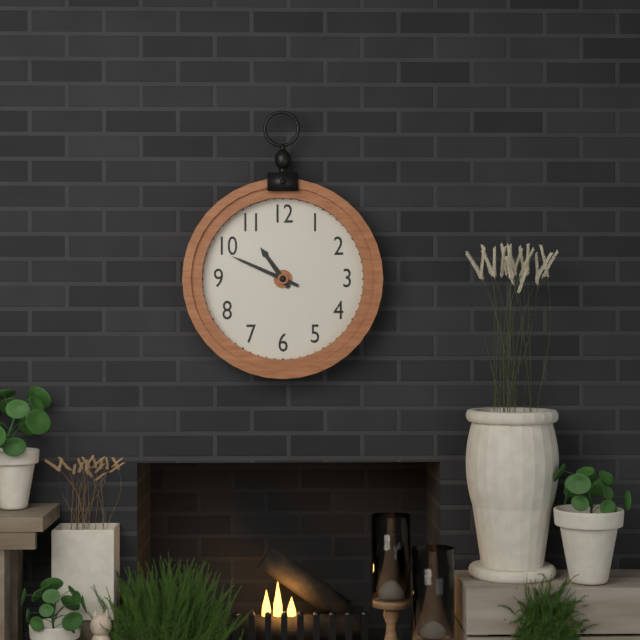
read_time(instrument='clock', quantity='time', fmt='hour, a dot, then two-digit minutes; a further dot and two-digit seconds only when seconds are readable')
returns 10.49
